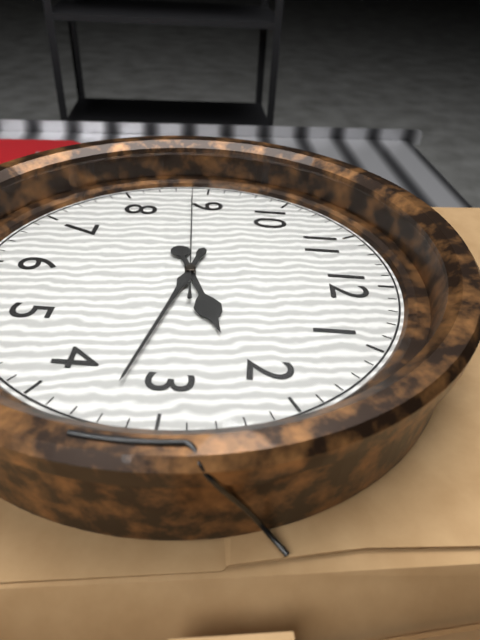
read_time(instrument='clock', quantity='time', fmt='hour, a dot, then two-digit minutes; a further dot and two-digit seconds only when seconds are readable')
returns 2.17.44
